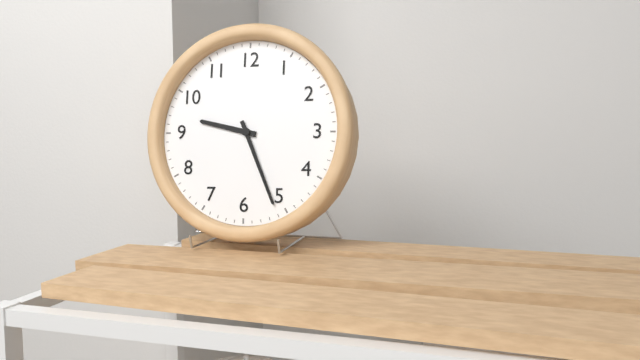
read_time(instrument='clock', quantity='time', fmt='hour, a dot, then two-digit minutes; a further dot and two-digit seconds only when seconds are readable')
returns 9.26
